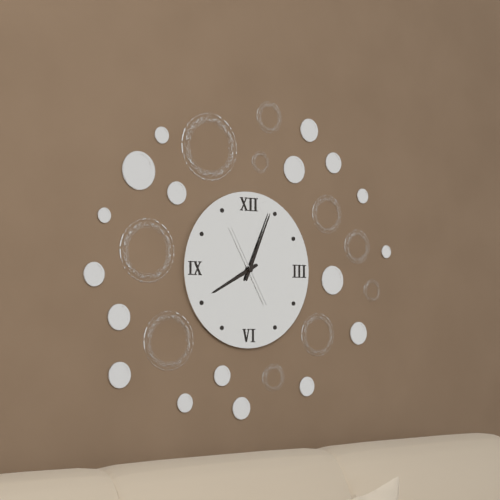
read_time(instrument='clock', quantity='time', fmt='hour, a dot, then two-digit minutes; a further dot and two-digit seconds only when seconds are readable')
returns 8.04.55
